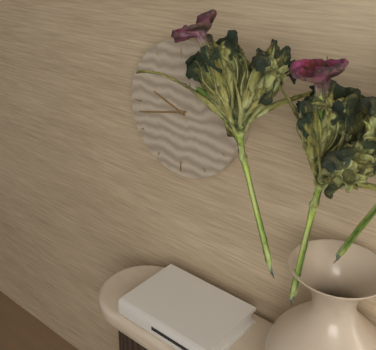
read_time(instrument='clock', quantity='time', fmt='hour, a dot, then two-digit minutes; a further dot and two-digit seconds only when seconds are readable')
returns 9.43
